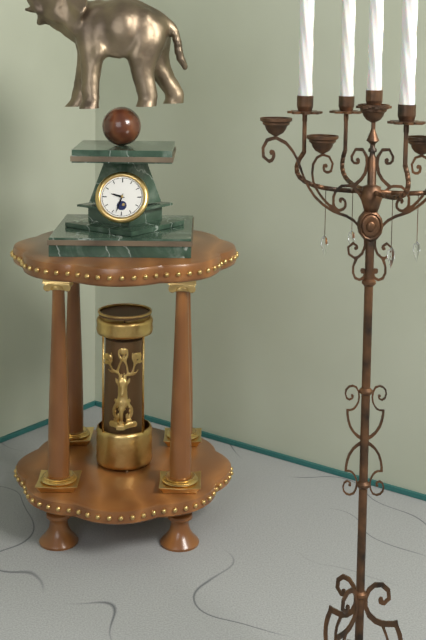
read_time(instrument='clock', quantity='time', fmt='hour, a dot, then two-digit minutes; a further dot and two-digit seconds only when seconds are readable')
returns 9.33
